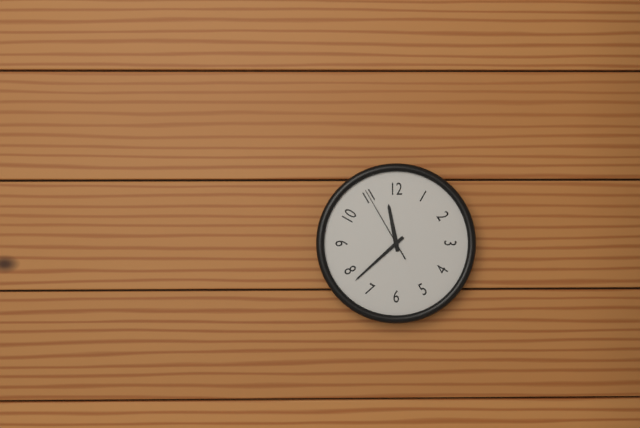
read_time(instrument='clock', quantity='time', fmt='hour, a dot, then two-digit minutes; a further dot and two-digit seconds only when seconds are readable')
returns 11.38.55
